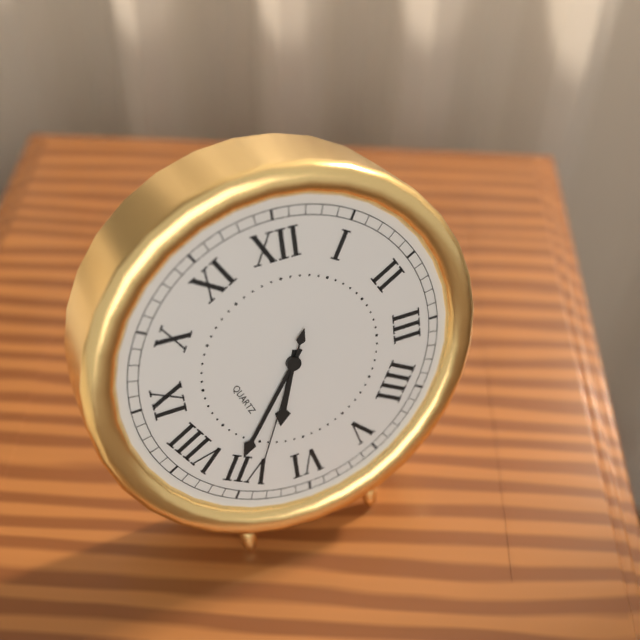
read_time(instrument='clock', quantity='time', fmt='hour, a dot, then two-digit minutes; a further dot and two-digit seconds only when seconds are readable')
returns 6.36.34
